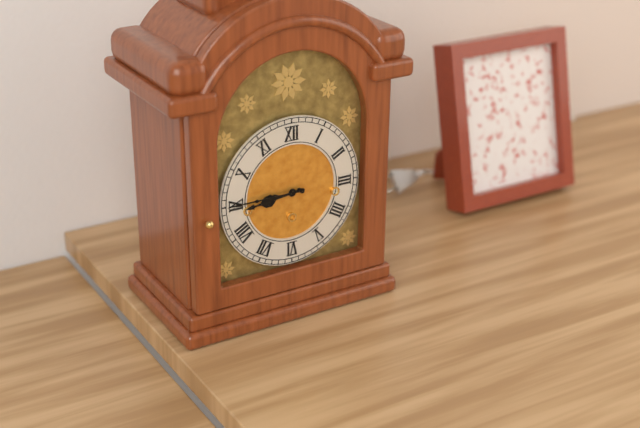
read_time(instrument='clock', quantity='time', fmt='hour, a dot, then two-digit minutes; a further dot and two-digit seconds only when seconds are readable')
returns 8.45
